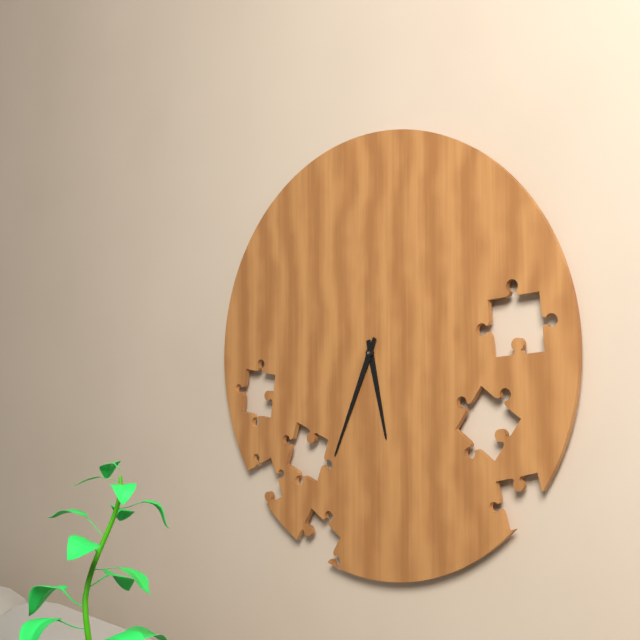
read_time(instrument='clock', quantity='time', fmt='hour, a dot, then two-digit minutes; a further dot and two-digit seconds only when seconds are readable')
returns 5.34
